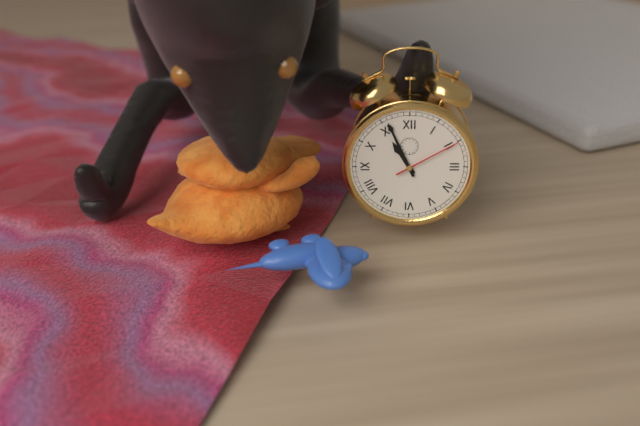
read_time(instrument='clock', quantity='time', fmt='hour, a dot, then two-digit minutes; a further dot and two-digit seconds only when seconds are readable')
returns 10.56.10
